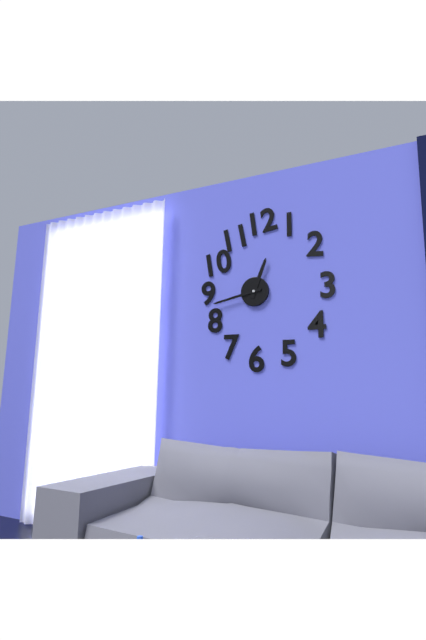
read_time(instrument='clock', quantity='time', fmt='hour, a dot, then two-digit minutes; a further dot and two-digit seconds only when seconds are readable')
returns 12.43
